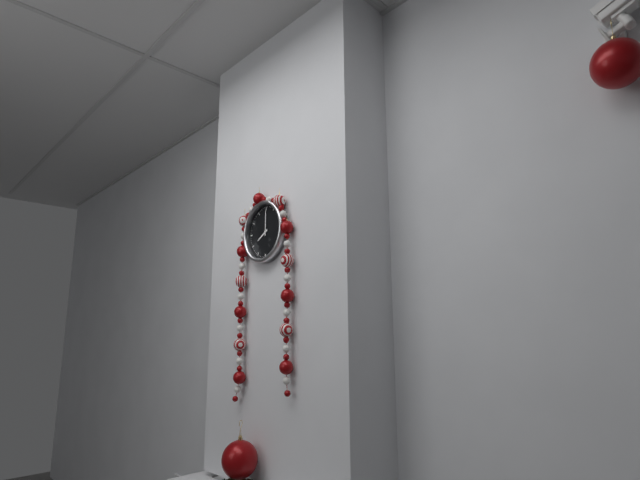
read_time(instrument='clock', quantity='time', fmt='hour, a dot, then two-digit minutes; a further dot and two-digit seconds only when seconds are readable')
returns 8.00
